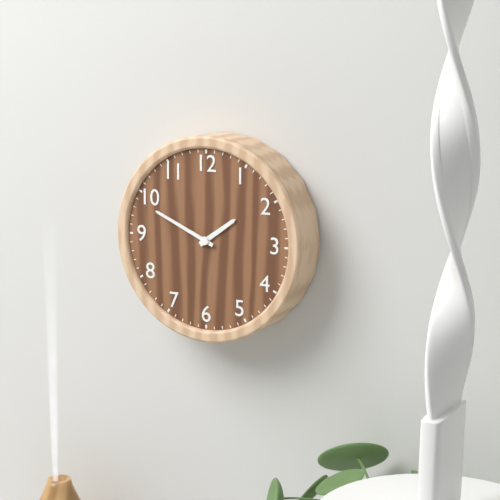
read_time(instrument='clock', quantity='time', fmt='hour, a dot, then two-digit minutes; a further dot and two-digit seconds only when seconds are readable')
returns 1.49
